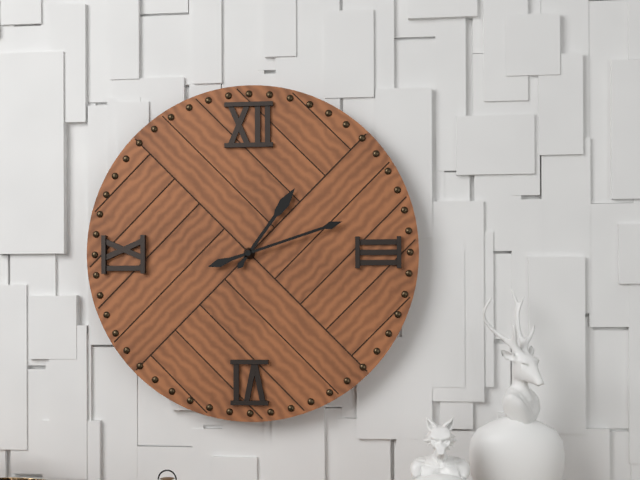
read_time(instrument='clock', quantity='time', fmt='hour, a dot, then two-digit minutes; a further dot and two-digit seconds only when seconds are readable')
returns 1.12
